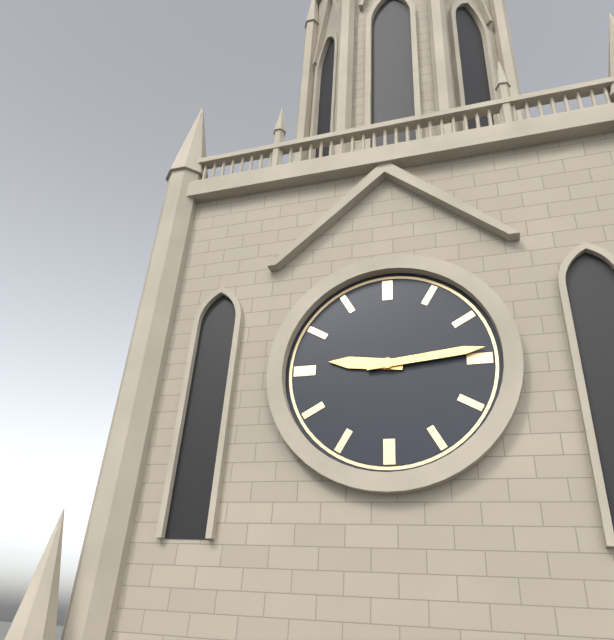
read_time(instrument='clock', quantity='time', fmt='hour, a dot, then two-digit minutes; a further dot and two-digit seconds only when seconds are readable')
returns 9.14
